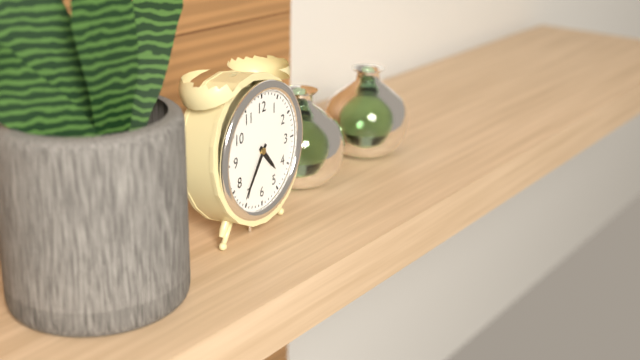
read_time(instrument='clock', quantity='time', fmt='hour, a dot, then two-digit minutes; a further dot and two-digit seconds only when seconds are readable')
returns 4.36
